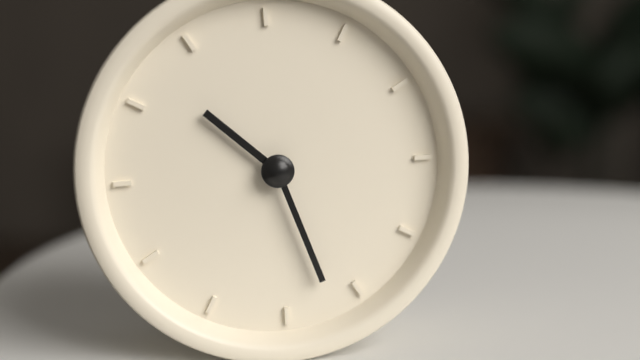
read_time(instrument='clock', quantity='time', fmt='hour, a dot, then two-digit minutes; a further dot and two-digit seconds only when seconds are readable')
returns 10.27
